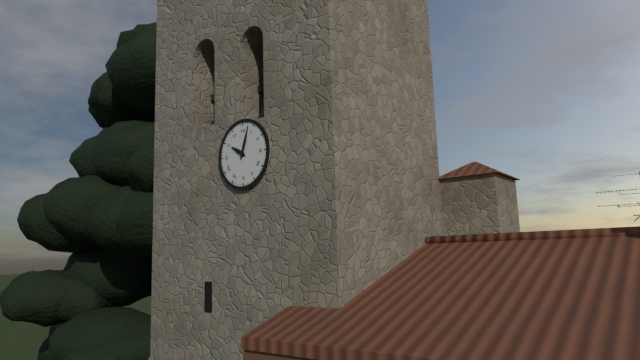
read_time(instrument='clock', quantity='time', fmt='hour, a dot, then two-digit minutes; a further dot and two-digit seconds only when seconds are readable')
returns 10.03
